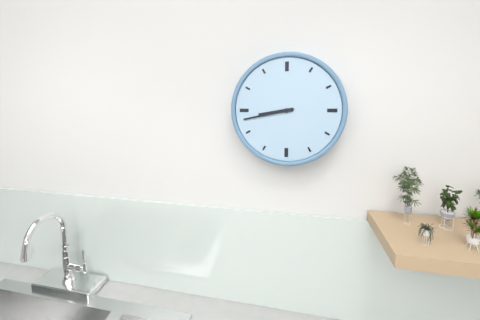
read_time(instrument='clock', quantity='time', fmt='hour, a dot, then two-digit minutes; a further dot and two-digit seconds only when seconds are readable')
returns 8.43
